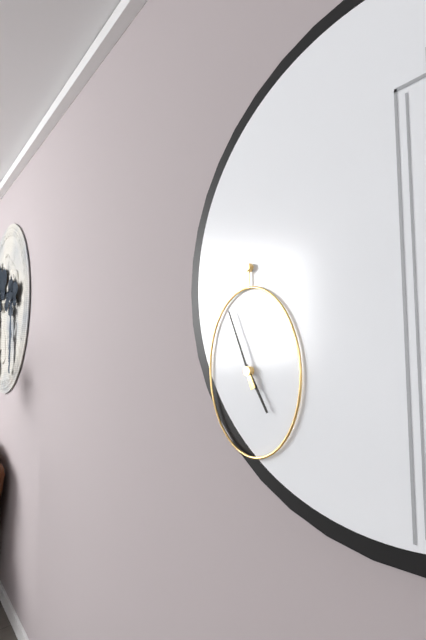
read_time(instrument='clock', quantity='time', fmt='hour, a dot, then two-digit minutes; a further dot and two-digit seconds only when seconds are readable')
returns 4.56
